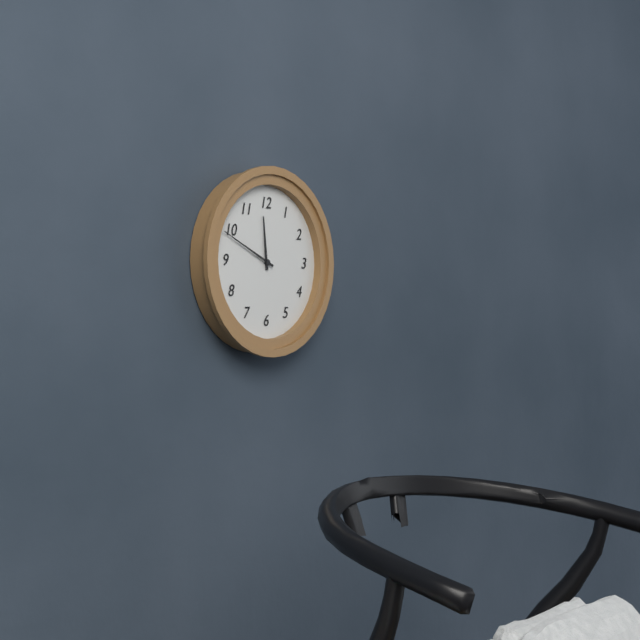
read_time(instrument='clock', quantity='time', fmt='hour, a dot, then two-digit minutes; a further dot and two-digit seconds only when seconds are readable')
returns 11.49
